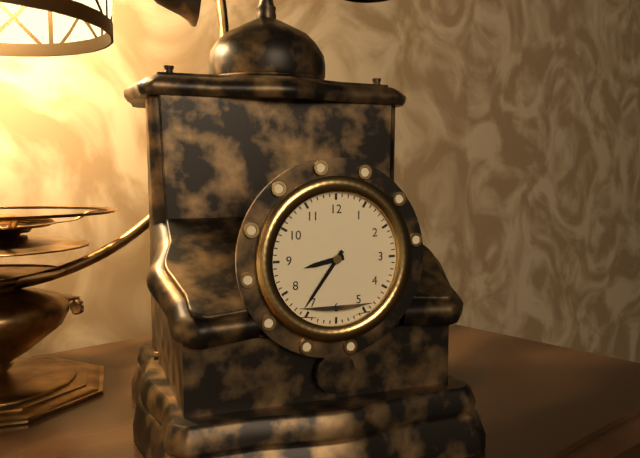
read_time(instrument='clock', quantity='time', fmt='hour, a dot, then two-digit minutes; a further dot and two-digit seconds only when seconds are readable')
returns 8.36
